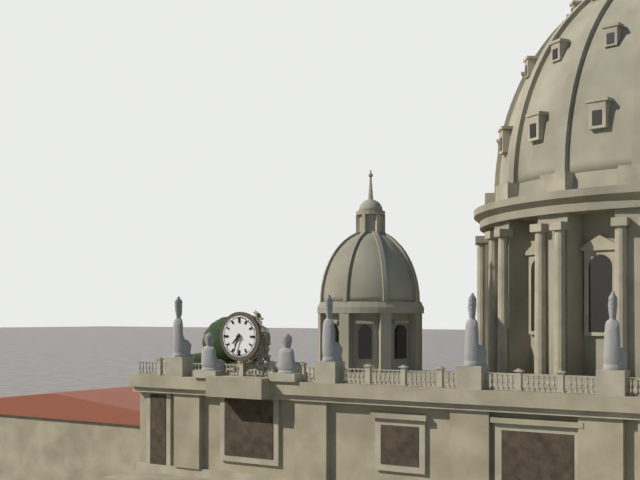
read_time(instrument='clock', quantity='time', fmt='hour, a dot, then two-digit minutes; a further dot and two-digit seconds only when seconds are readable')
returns 7.33
